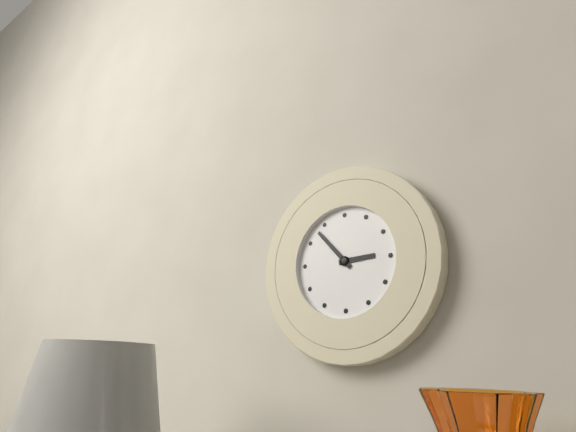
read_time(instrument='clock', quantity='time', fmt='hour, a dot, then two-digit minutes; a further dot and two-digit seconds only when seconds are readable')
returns 2.53
